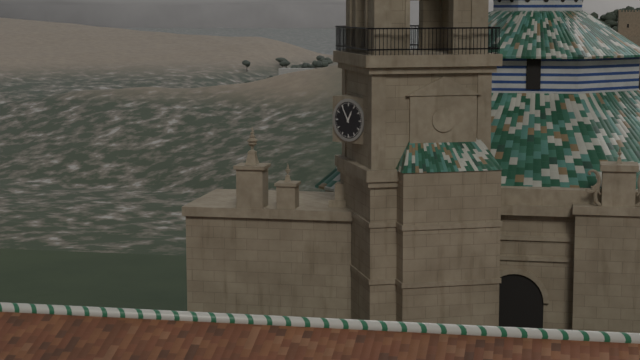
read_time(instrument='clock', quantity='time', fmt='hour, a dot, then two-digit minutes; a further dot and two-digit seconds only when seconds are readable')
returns 12.55
